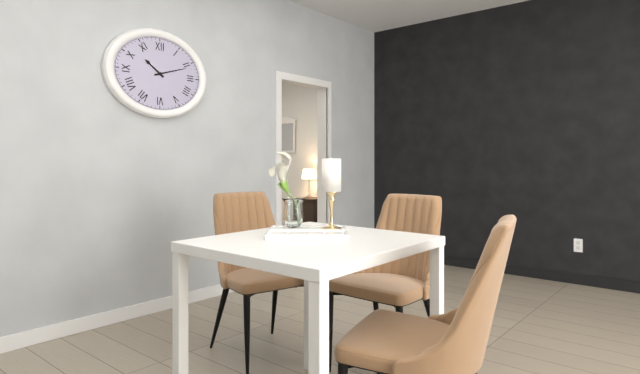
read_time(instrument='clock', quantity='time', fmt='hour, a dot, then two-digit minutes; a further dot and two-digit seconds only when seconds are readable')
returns 10.12
